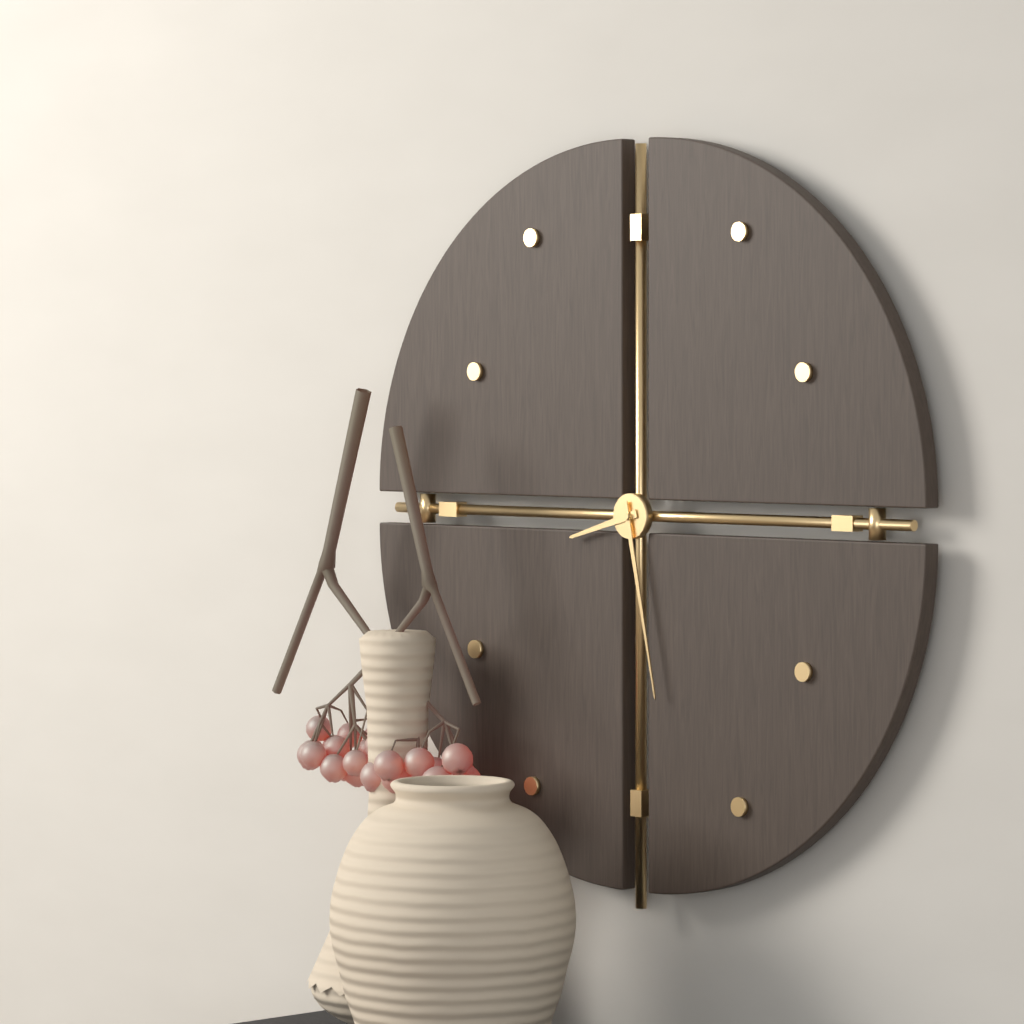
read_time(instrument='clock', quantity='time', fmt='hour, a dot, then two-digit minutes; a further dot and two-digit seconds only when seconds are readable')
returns 8.28
